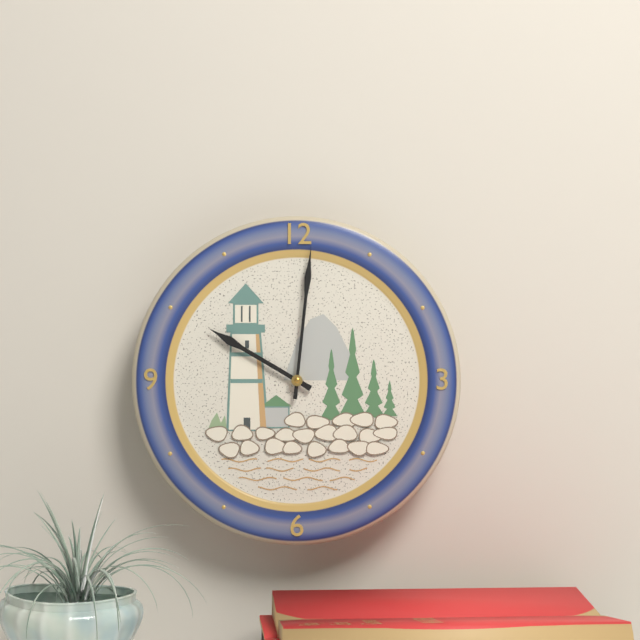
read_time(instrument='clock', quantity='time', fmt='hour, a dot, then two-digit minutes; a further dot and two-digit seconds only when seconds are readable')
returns 10.01
